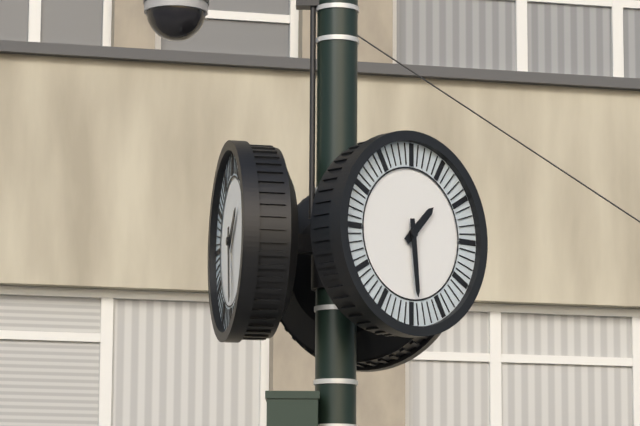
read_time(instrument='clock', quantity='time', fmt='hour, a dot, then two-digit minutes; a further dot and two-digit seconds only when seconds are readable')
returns 1.29
